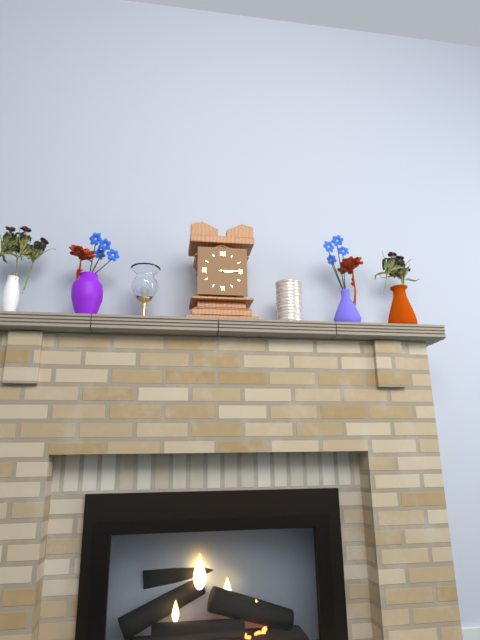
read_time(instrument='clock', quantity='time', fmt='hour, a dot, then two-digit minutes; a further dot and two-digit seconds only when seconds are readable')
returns 3.15
